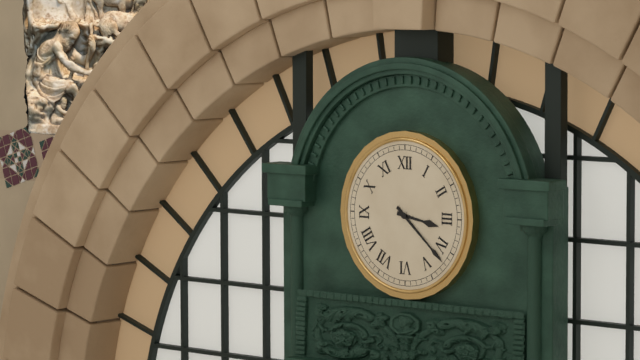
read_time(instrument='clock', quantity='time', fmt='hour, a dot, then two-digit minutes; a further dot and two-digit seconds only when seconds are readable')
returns 3.22
